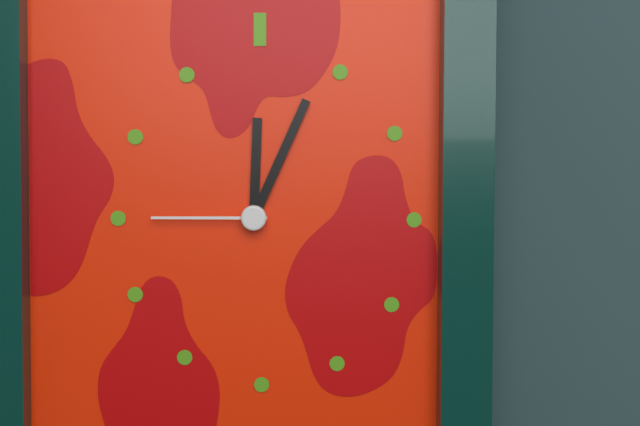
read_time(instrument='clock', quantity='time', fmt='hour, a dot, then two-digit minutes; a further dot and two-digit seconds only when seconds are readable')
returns 12.04.45
